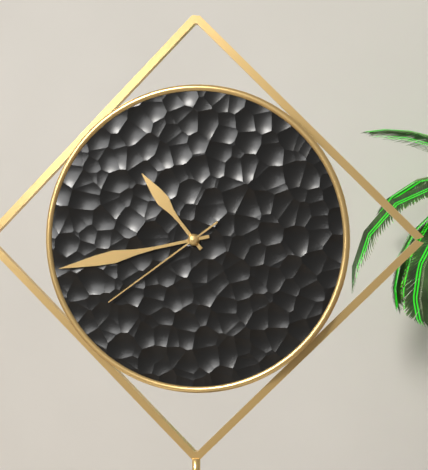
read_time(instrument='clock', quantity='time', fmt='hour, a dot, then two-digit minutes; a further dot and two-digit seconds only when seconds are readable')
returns 10.43.39
